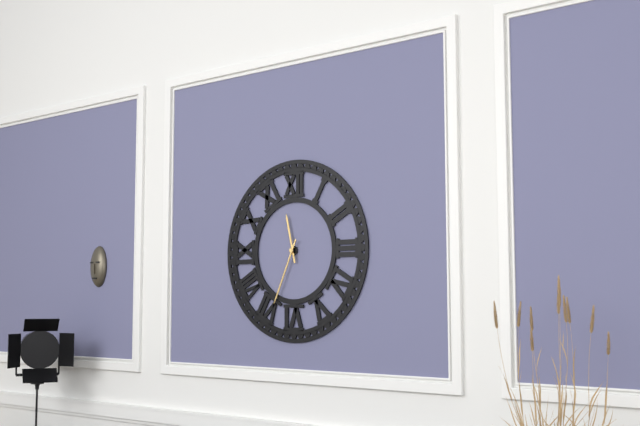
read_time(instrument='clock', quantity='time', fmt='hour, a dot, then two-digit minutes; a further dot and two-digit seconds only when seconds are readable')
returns 11.34
